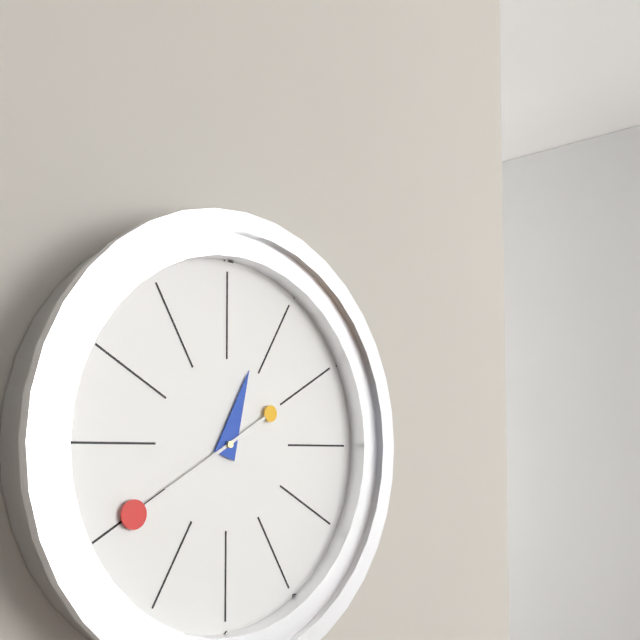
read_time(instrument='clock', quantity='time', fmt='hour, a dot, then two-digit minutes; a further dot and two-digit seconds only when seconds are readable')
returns 12.40
